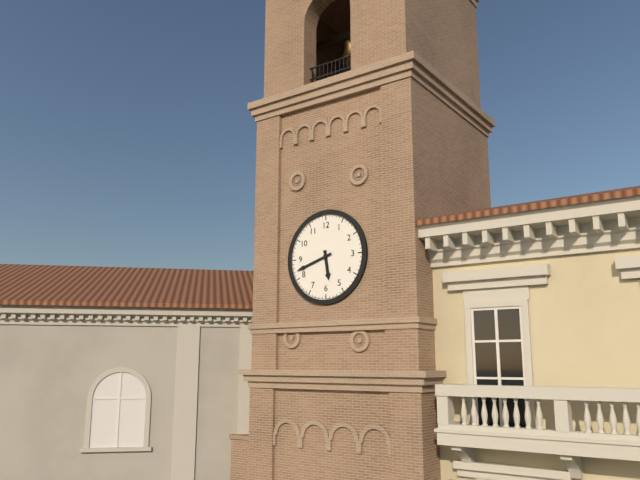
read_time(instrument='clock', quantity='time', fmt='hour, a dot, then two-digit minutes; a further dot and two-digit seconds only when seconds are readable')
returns 5.42
